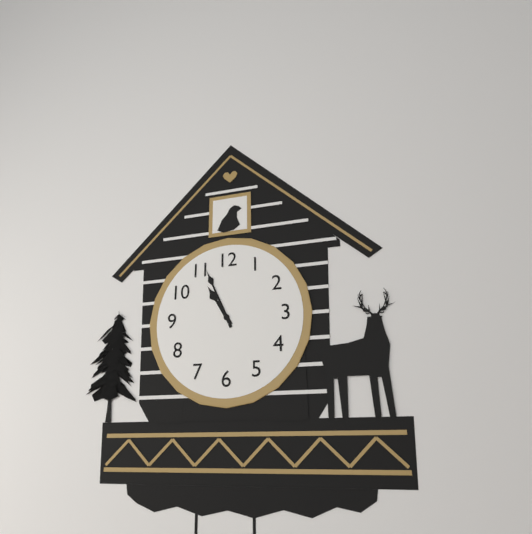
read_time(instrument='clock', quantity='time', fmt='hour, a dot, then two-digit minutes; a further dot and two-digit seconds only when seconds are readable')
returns 10.56
